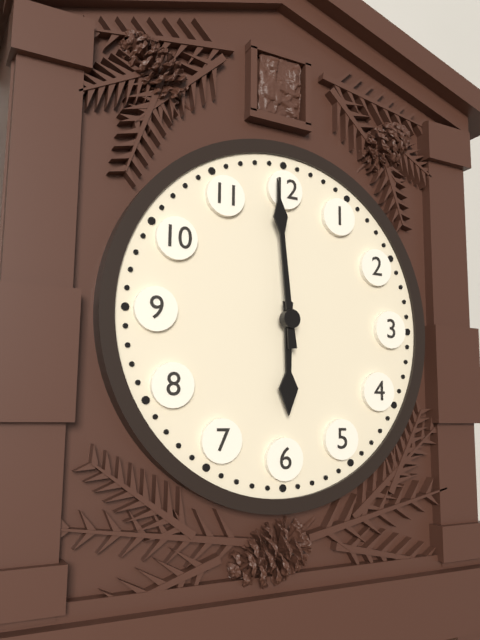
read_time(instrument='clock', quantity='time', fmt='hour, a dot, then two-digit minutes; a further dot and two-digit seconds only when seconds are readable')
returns 5.59
